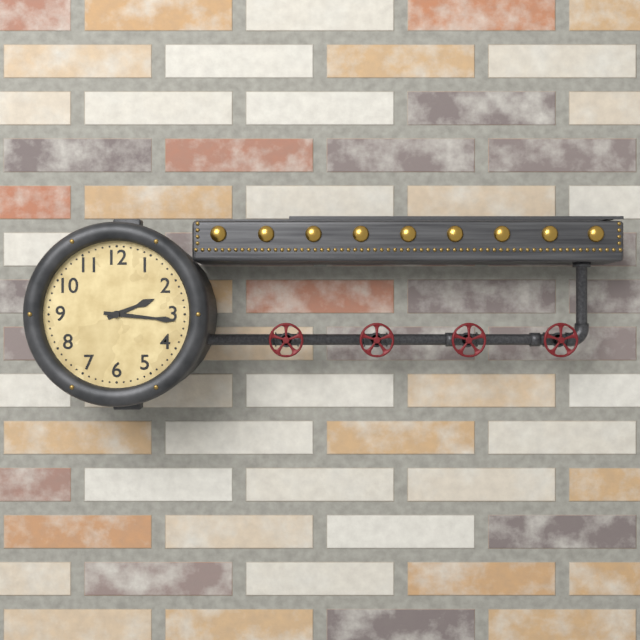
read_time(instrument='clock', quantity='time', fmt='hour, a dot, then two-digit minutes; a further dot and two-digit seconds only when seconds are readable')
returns 2.16
